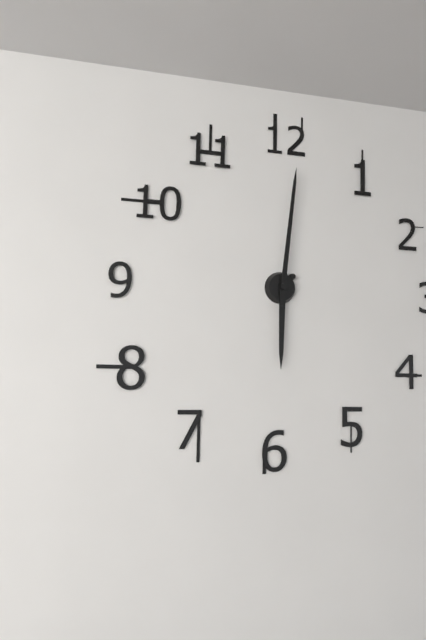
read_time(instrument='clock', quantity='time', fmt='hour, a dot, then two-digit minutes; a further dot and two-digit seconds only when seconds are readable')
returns 6.01
